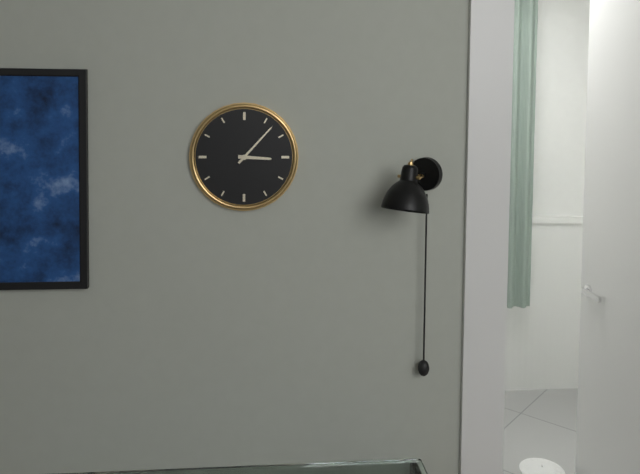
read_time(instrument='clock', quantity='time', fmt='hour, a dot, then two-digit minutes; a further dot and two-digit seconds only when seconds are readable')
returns 3.07
